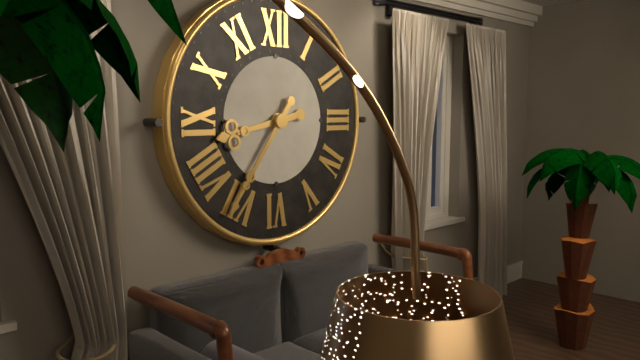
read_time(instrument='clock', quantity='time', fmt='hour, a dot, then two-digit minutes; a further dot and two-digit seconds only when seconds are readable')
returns 8.36
